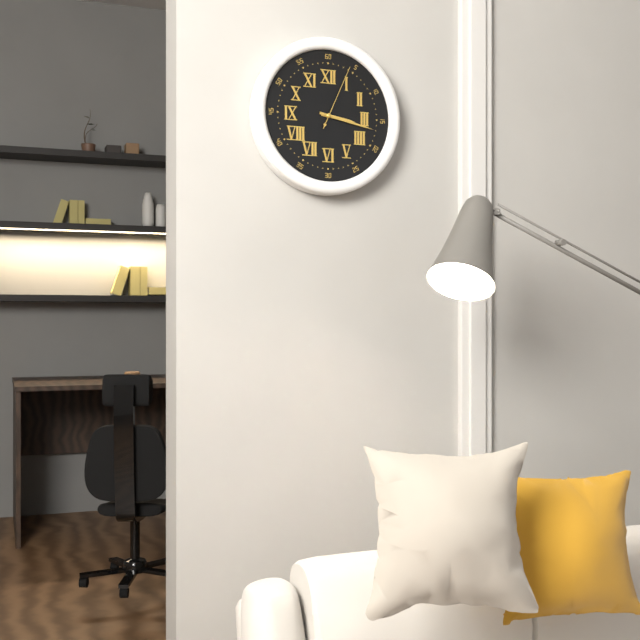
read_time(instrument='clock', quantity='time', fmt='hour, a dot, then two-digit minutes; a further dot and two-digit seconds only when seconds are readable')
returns 3.17.04
